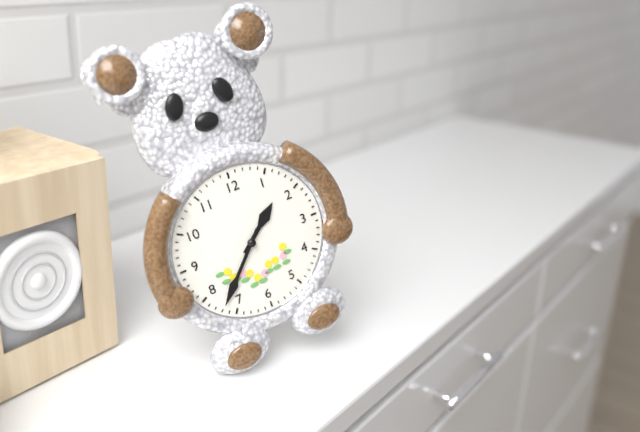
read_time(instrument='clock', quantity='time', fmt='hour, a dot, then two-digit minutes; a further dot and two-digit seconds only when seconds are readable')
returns 1.37
